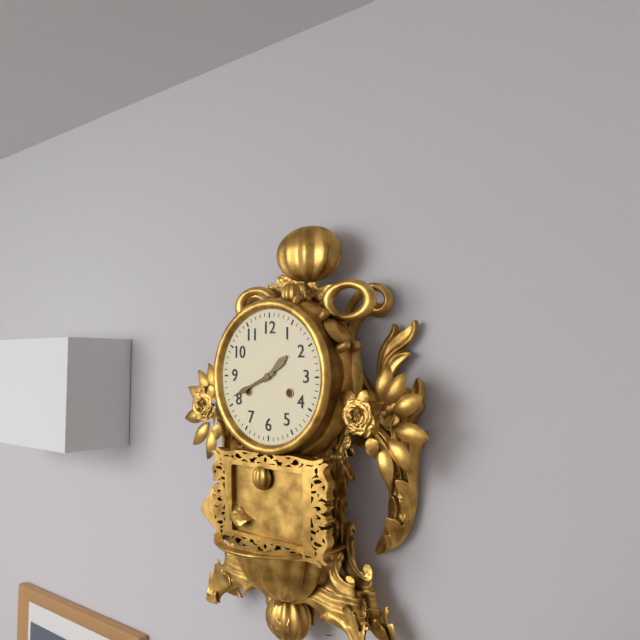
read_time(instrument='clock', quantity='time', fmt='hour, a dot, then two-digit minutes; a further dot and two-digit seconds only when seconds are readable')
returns 1.41
